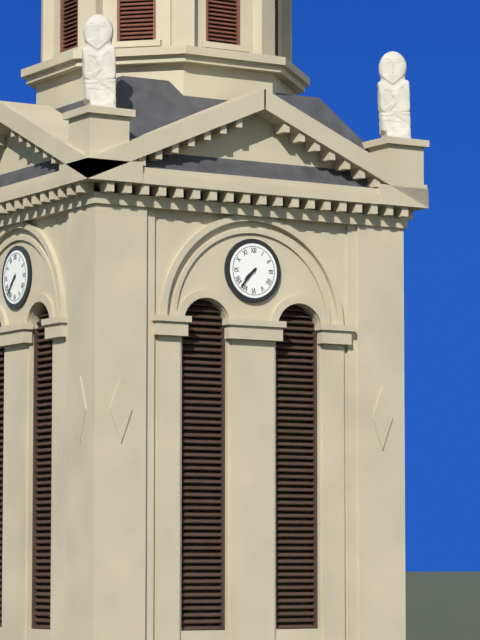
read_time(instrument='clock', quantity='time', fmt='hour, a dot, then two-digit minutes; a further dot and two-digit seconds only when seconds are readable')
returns 7.37
